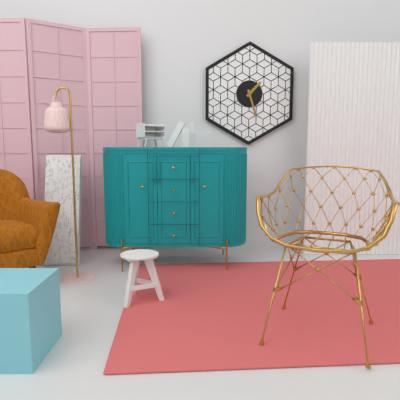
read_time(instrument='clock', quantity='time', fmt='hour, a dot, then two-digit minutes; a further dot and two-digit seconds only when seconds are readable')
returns 1.27
